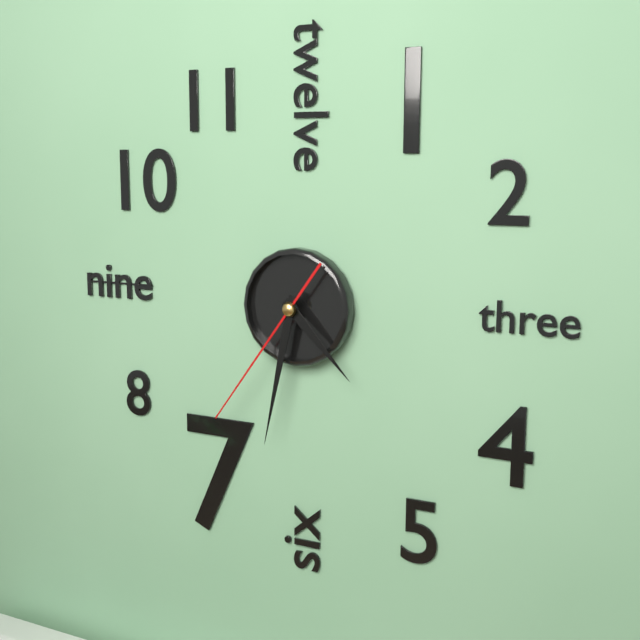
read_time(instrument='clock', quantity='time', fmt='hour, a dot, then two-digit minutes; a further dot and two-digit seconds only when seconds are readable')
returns 4.32.36
